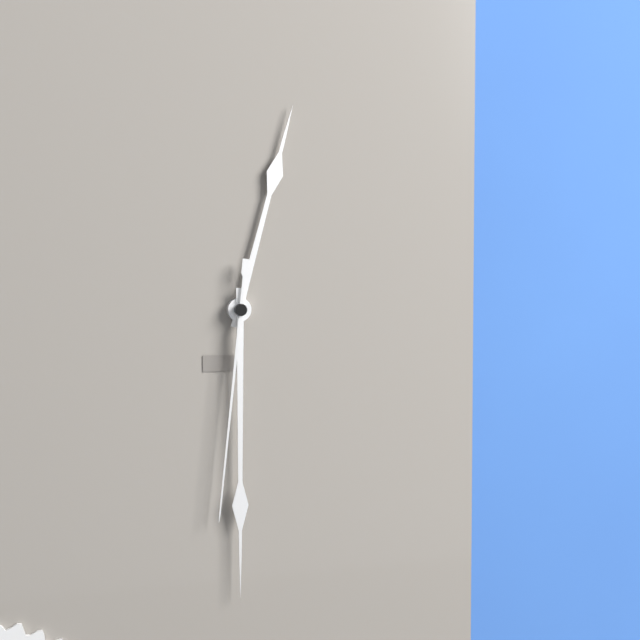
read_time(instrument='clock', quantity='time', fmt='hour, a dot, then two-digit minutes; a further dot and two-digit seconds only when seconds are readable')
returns 12.30.31
